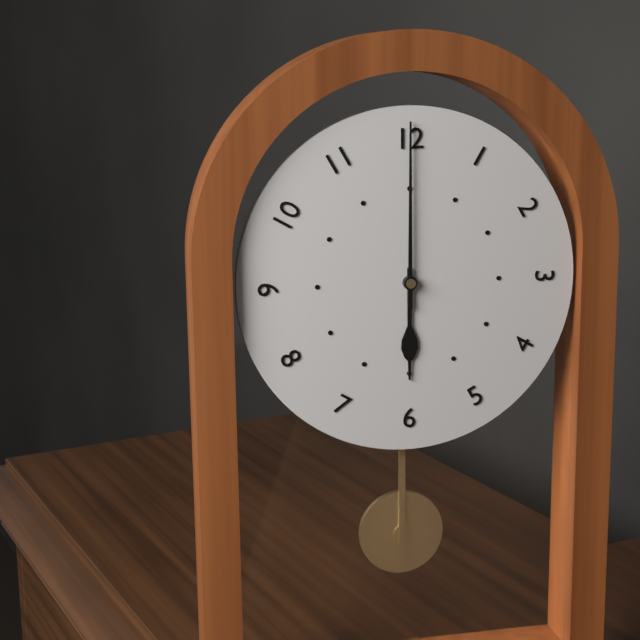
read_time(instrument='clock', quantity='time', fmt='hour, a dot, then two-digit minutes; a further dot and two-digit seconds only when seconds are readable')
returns 6.00
